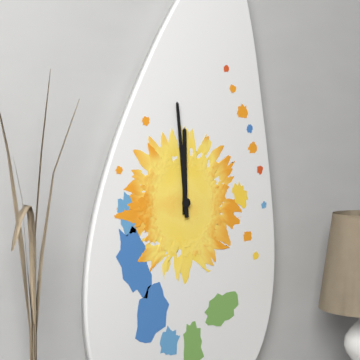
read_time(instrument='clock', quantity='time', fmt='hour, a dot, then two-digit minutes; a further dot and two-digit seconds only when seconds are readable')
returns 11.59
